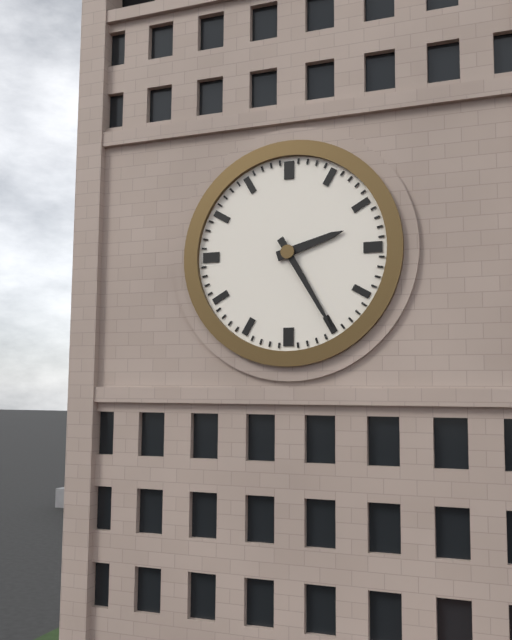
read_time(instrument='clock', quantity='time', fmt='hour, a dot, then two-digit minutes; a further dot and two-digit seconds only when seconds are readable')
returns 2.25
